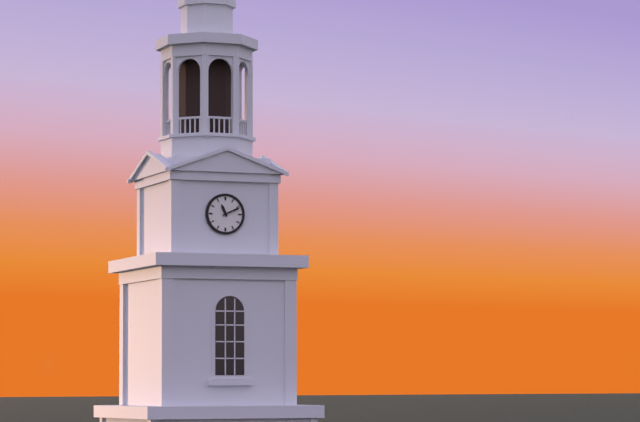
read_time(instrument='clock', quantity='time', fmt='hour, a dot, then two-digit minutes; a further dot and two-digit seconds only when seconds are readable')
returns 11.11
